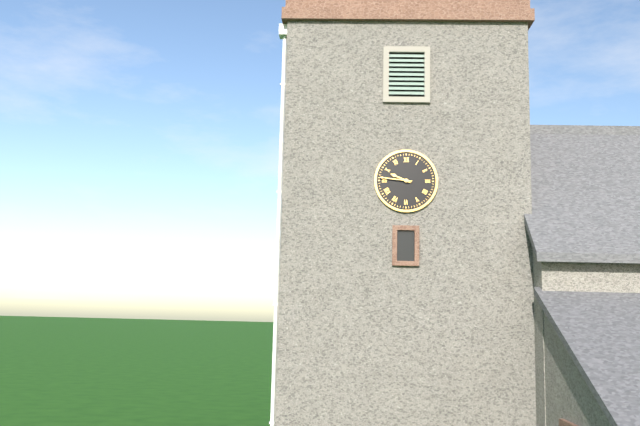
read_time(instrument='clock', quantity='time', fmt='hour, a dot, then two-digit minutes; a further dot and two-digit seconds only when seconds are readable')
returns 9.46
